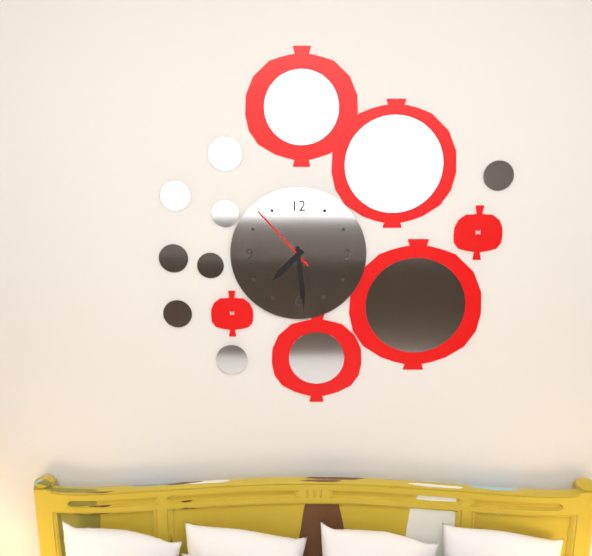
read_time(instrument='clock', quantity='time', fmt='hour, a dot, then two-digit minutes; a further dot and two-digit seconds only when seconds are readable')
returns 7.29.53
